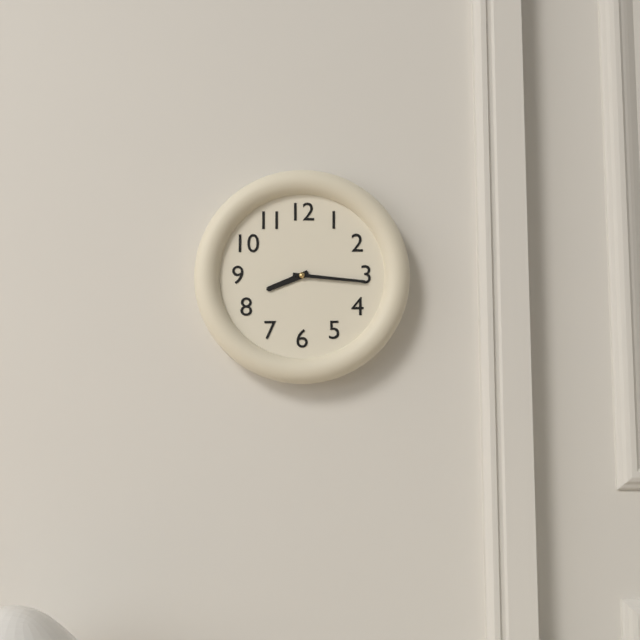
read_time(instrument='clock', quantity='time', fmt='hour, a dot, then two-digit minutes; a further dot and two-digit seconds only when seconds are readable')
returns 8.16
